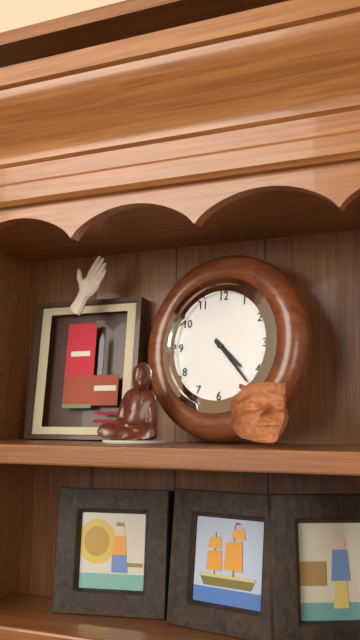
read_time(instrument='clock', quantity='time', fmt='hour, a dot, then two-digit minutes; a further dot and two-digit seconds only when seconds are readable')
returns 4.23
